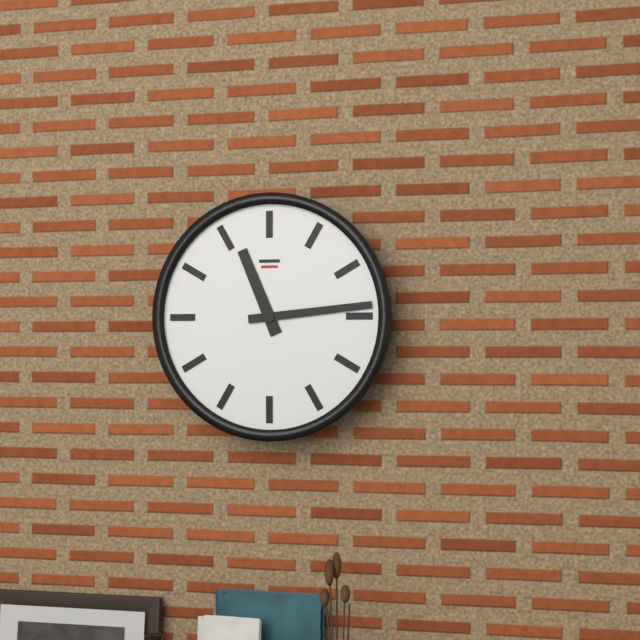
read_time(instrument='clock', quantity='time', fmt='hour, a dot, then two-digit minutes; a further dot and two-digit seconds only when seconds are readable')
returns 11.14
